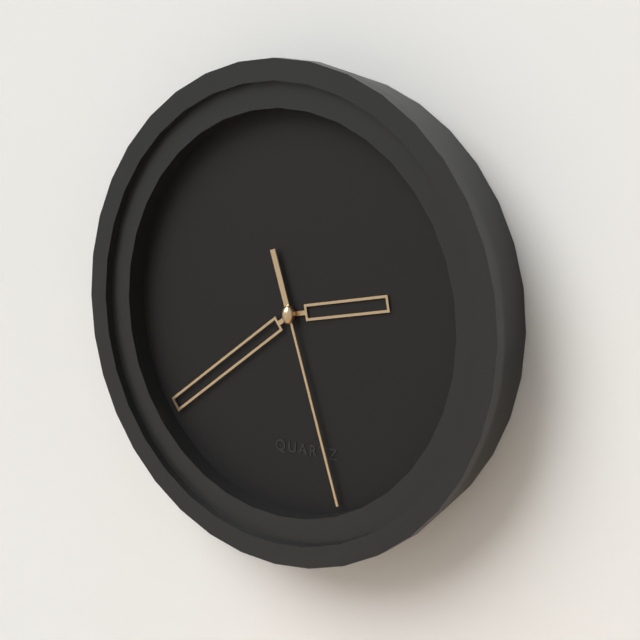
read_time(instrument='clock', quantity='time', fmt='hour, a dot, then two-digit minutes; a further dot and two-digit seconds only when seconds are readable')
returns 2.39.27
